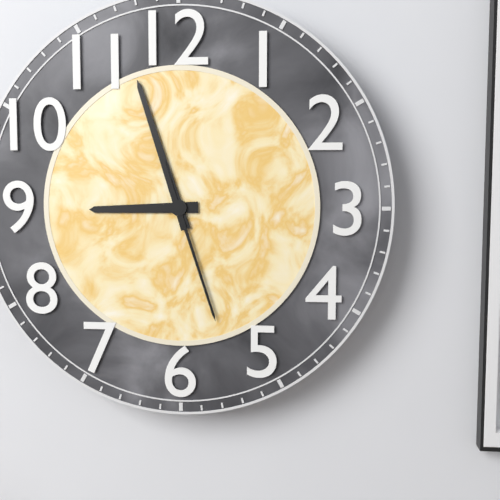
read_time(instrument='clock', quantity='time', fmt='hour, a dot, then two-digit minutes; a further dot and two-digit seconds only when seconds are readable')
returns 8.57.27
